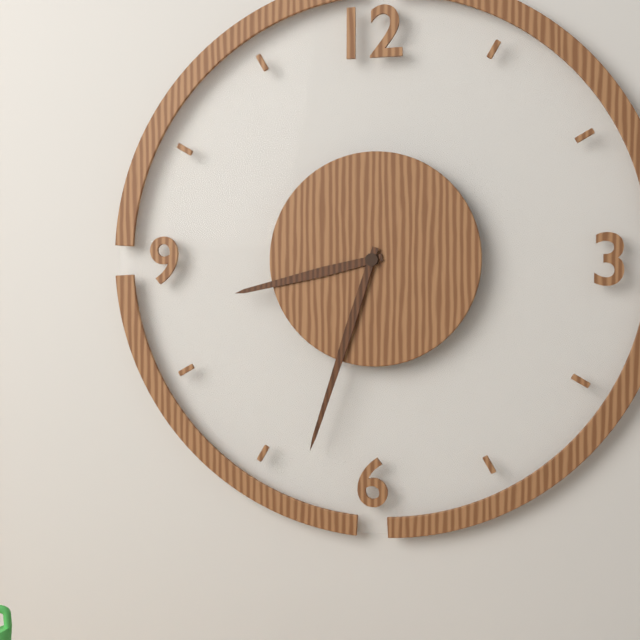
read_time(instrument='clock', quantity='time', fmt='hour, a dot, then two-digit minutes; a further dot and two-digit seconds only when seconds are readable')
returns 8.33
